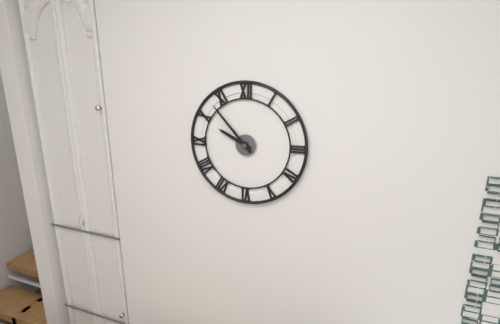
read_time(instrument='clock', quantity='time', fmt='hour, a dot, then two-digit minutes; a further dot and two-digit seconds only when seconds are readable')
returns 9.53
